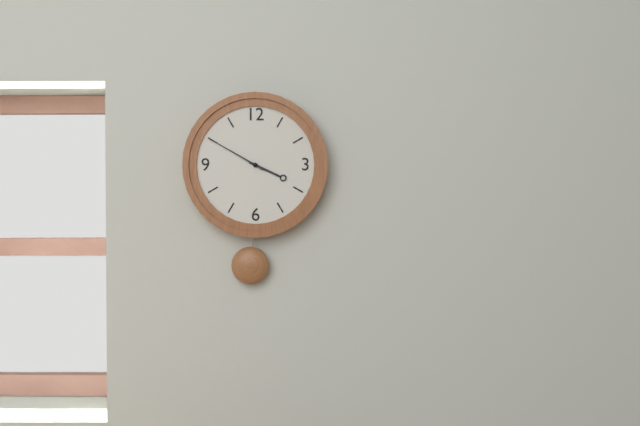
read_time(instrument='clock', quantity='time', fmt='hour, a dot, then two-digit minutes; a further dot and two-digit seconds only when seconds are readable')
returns 3.50
